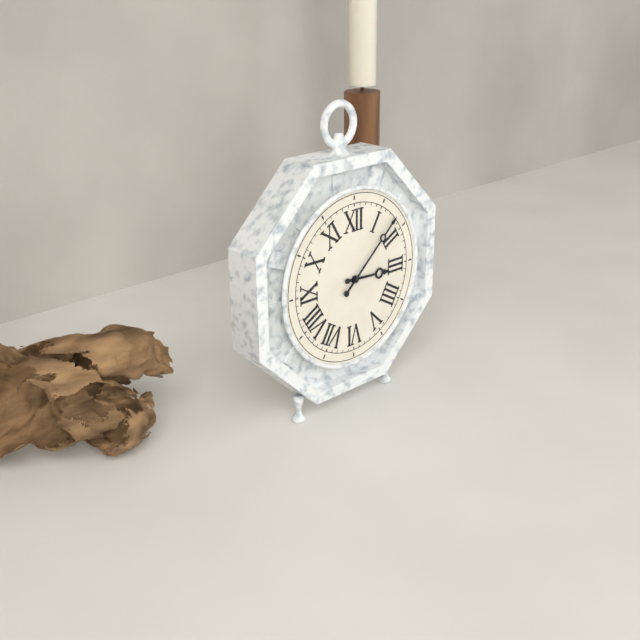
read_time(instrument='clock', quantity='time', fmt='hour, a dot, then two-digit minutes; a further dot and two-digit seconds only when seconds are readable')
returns 3.08
